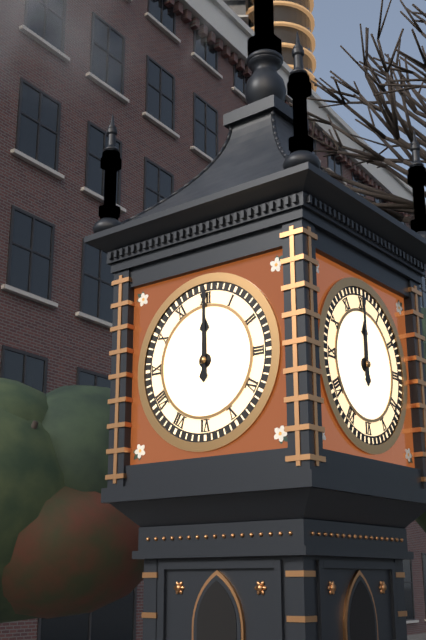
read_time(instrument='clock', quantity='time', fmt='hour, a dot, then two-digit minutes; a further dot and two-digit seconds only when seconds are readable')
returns 12.00
